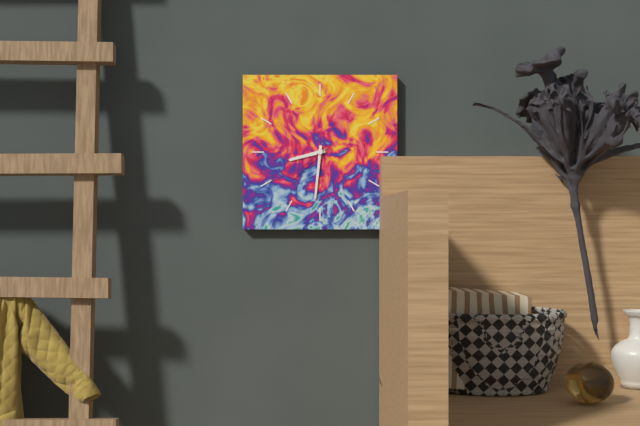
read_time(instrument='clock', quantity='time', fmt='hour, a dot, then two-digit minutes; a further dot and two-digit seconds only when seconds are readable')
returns 8.31
